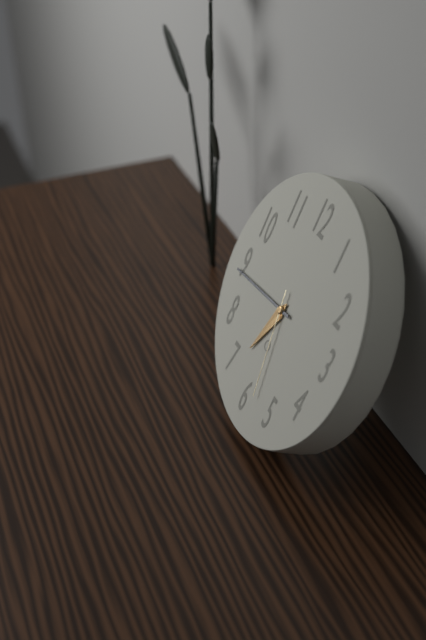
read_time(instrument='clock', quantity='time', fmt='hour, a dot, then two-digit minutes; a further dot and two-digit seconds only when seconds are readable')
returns 6.44.28
